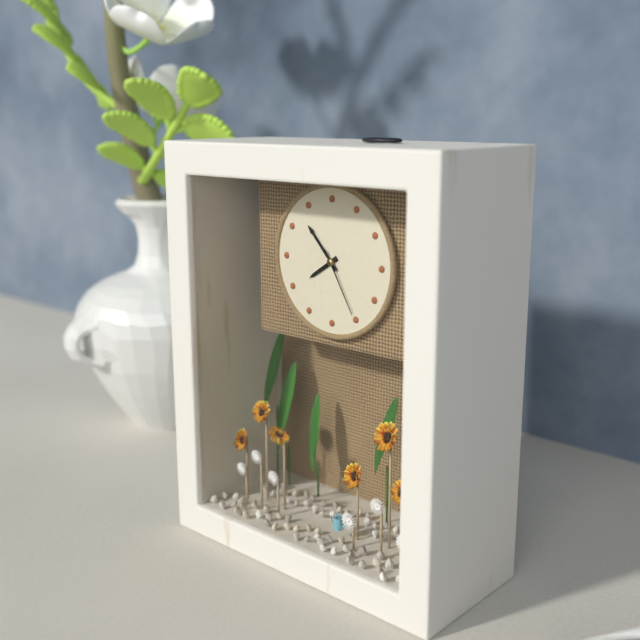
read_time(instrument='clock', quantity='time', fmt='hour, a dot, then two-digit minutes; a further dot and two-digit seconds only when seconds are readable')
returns 7.53.25
